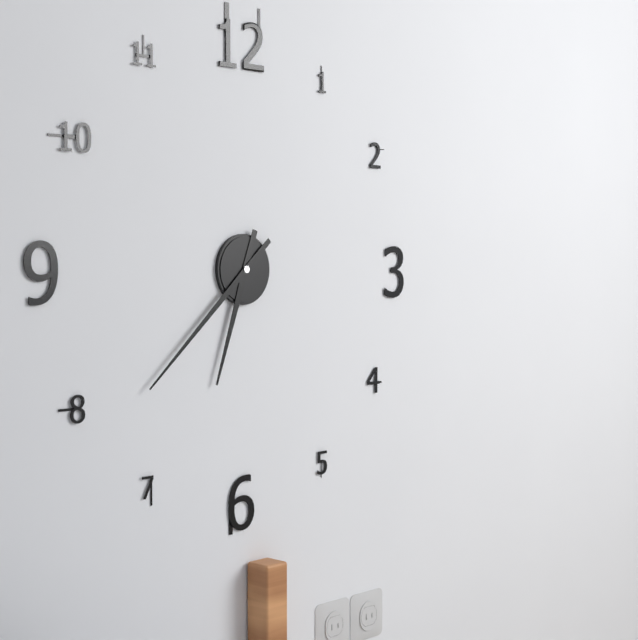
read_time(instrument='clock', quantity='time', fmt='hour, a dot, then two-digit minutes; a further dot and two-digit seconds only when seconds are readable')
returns 6.38
